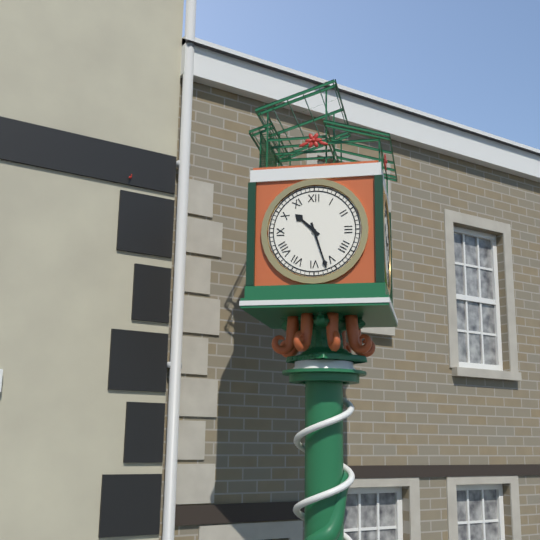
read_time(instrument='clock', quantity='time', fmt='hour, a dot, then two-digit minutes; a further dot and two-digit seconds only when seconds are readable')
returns 10.27
